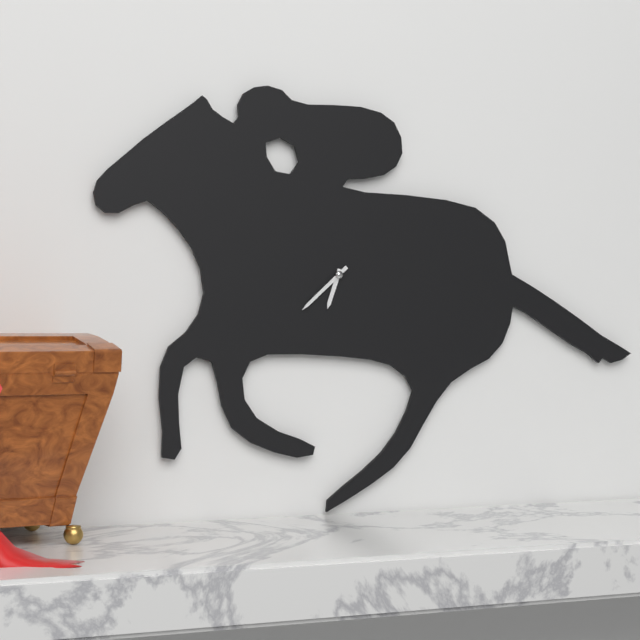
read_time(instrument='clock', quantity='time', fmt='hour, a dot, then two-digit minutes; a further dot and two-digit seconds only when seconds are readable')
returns 6.38
